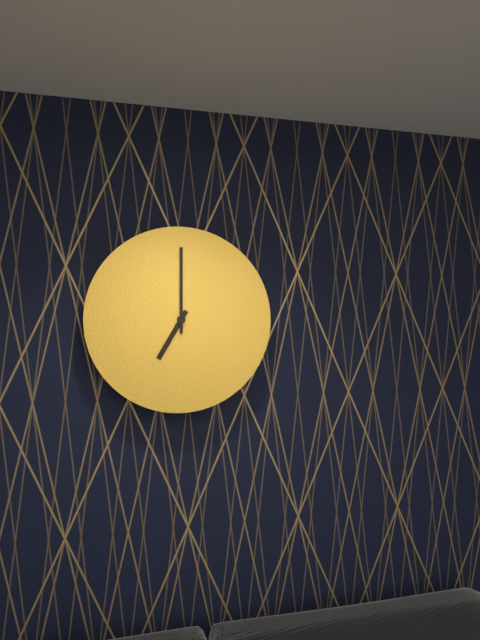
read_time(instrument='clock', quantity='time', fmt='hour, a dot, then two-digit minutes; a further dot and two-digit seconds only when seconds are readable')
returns 7.00
